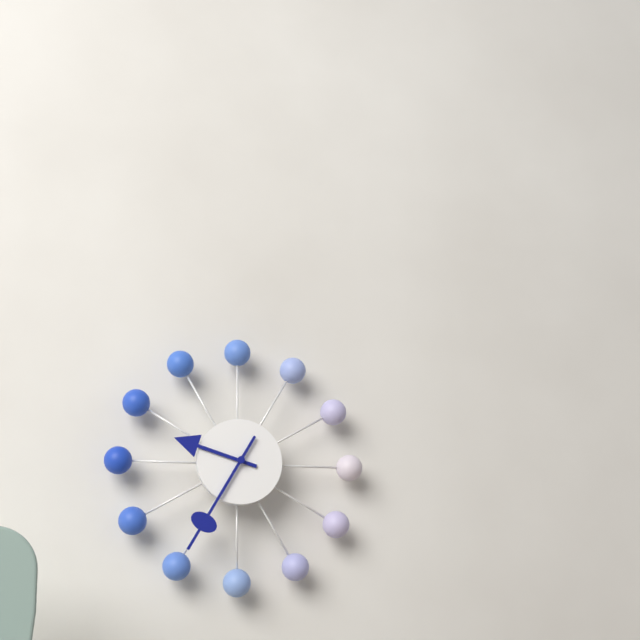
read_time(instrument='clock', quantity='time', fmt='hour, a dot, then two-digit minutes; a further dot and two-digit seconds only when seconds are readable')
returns 9.35
